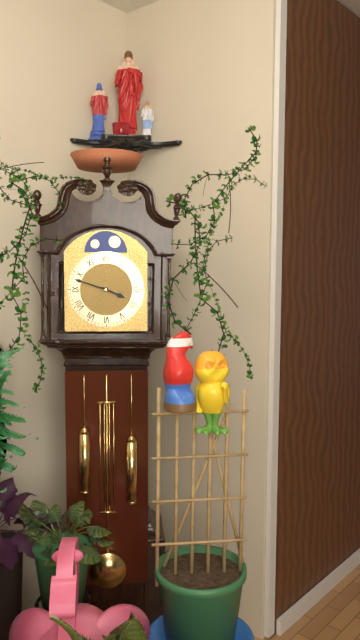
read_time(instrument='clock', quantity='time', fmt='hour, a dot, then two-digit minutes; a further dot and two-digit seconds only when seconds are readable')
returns 3.48
